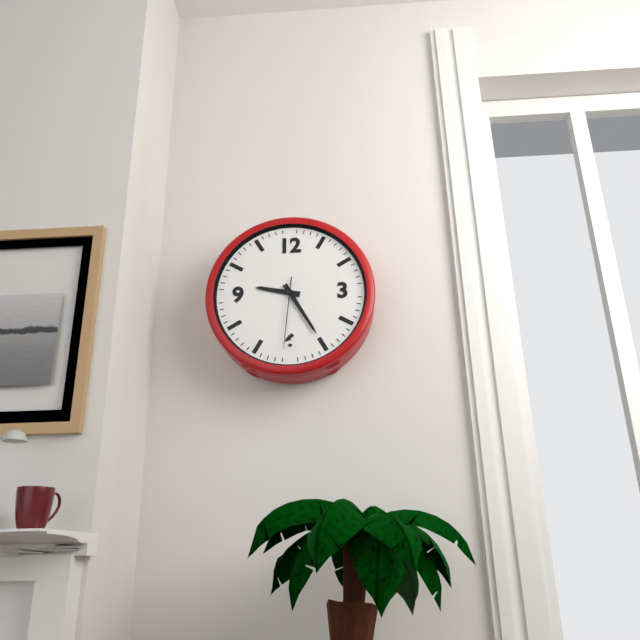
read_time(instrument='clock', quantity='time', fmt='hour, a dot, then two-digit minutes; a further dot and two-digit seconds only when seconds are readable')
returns 9.25.31
